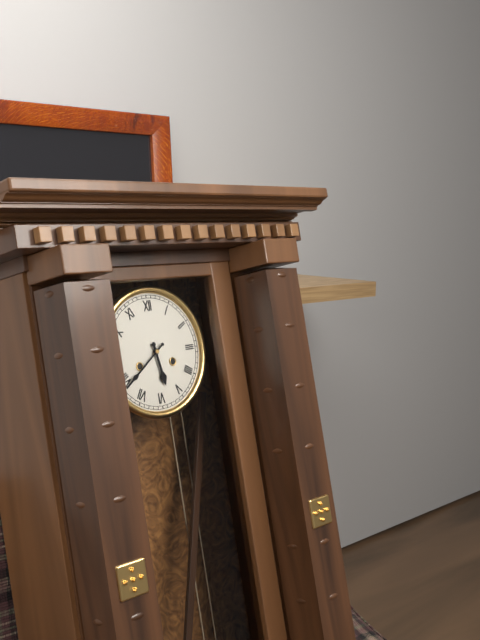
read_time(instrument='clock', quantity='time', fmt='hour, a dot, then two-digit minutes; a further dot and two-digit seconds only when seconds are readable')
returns 5.39
